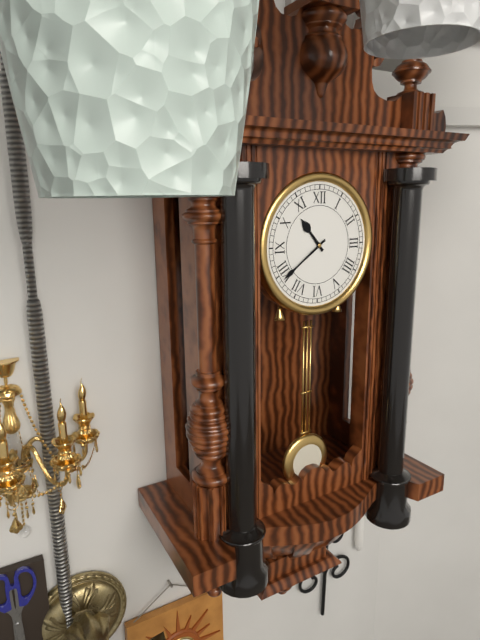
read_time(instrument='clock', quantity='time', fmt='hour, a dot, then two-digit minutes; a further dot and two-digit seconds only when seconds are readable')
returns 10.39
